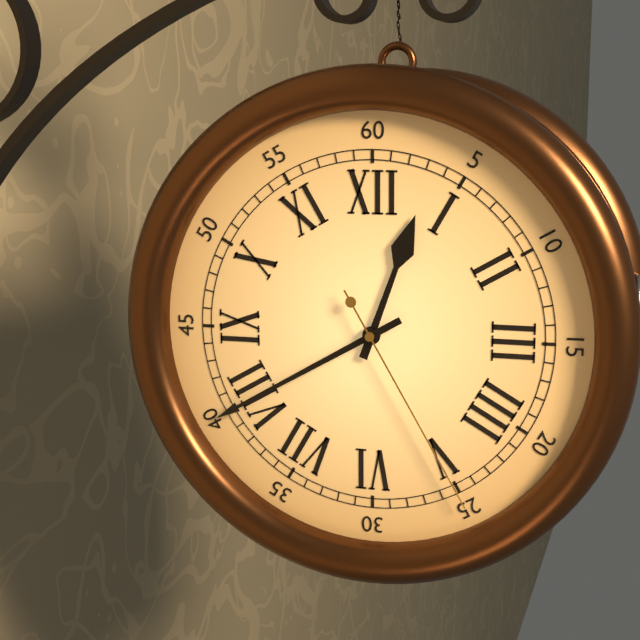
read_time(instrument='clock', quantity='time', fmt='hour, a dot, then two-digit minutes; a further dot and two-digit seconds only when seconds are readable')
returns 12.40.25
